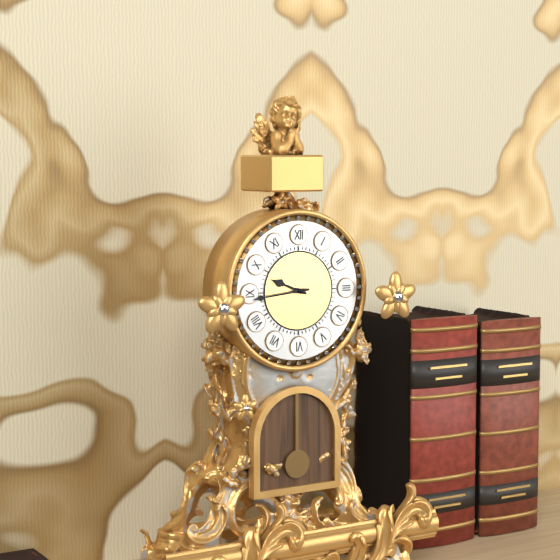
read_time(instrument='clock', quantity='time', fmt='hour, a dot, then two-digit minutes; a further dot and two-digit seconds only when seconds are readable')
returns 9.44
